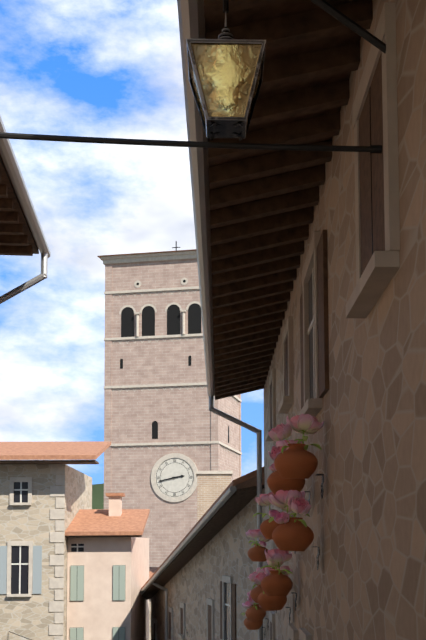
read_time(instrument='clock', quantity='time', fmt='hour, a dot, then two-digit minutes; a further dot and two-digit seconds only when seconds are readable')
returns 2.43
